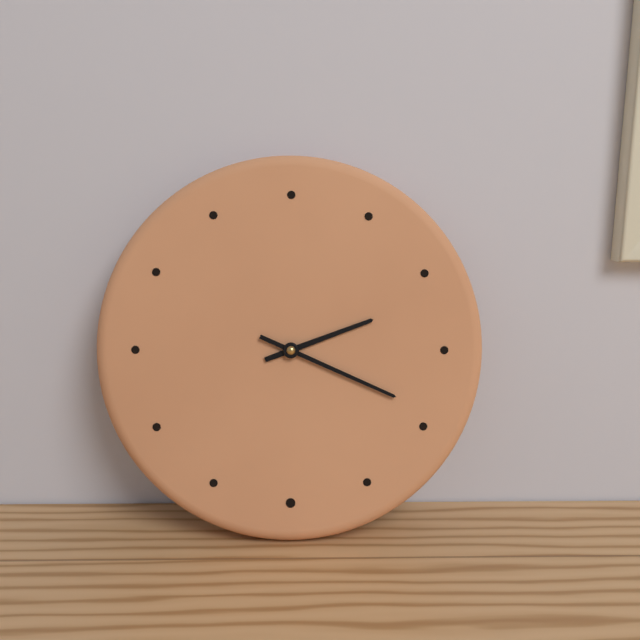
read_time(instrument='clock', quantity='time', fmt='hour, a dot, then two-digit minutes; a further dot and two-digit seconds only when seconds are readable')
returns 2.19
